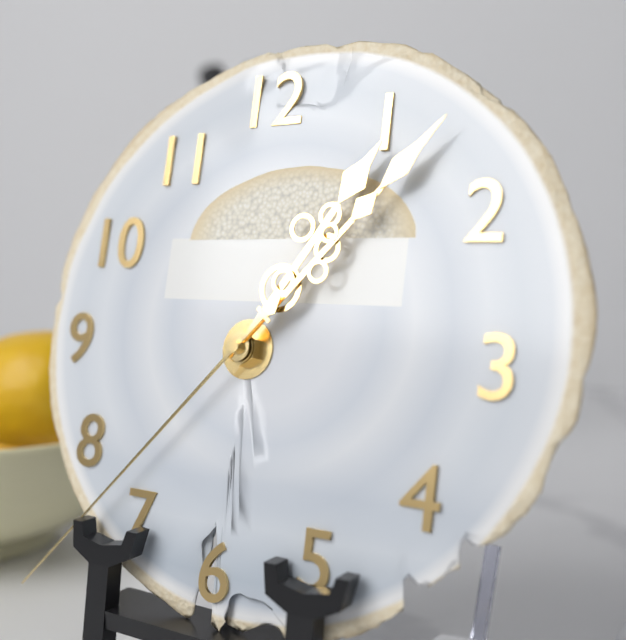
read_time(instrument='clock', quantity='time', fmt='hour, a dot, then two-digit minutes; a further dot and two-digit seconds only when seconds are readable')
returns 1.07.37
